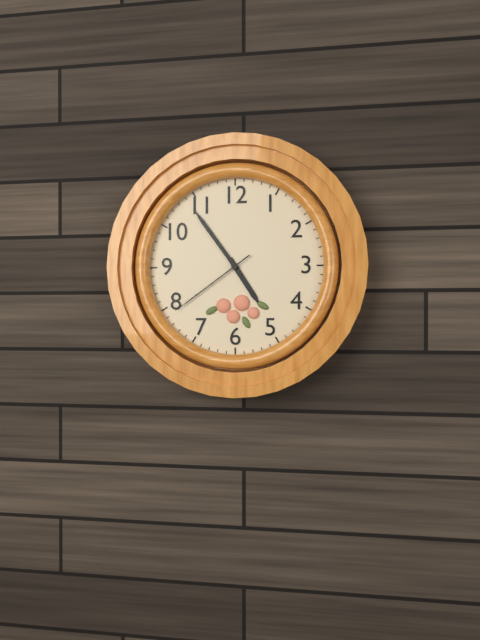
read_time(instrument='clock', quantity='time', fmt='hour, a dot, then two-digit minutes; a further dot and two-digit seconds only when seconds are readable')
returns 4.54.39
